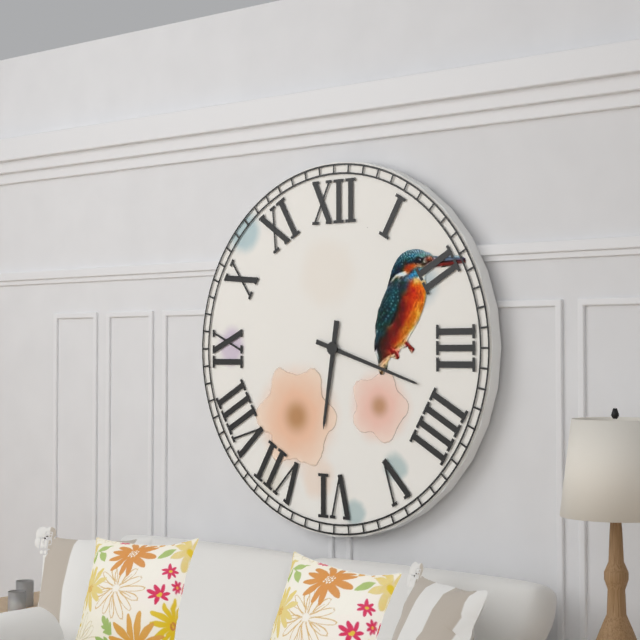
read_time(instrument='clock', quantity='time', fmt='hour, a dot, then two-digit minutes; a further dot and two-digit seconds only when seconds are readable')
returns 6.18
